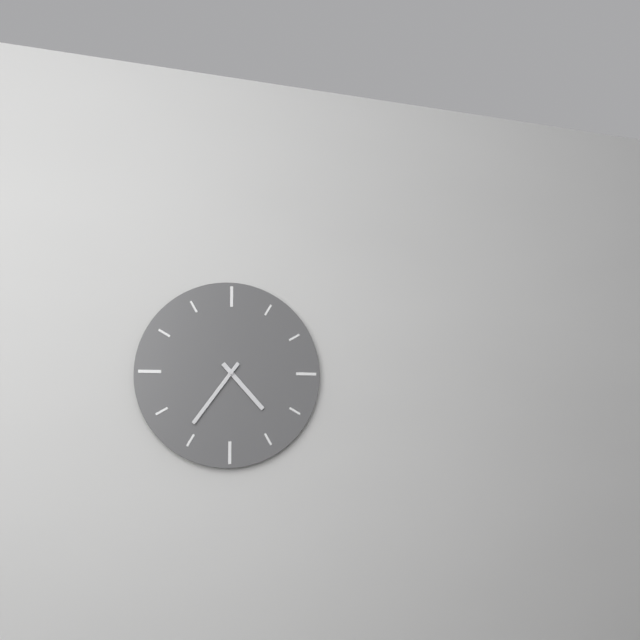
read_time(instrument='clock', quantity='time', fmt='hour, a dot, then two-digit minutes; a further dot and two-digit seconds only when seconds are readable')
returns 4.36
